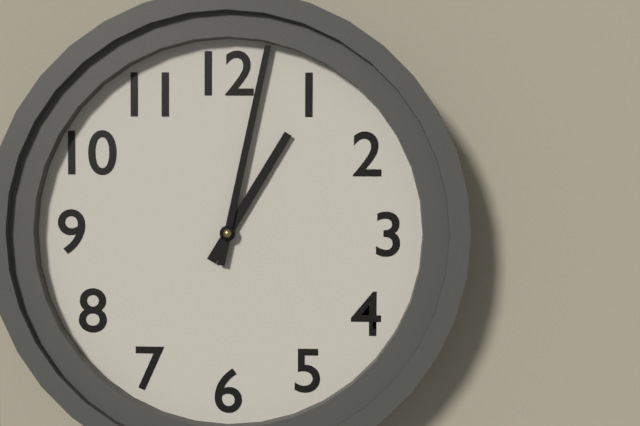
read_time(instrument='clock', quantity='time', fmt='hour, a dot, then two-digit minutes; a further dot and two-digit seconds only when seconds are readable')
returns 1.02
